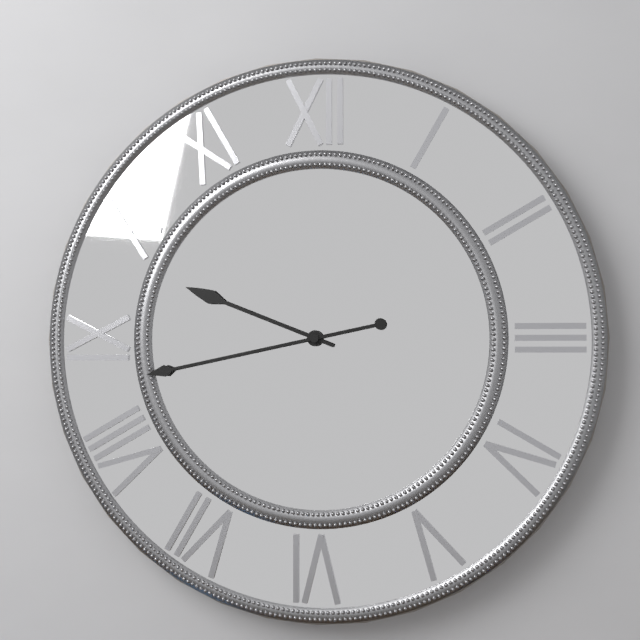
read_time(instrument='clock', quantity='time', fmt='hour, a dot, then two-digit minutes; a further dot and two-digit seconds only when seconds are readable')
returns 9.43
